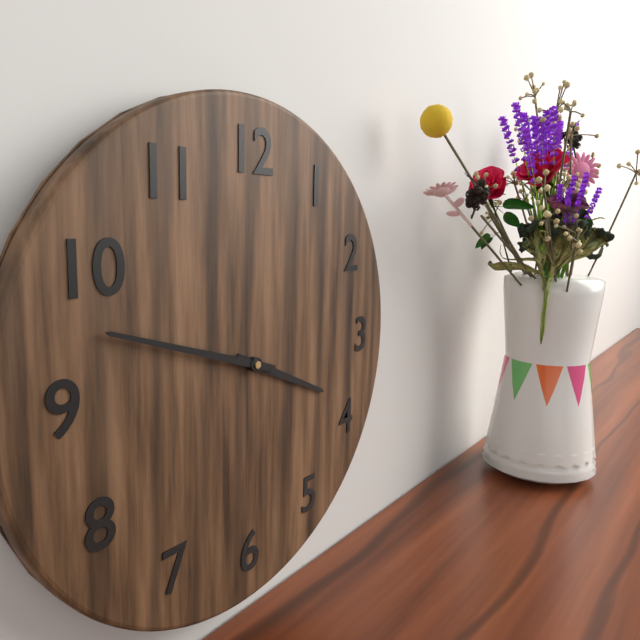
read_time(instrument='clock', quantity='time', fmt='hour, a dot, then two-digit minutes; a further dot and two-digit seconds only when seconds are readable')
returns 3.48
